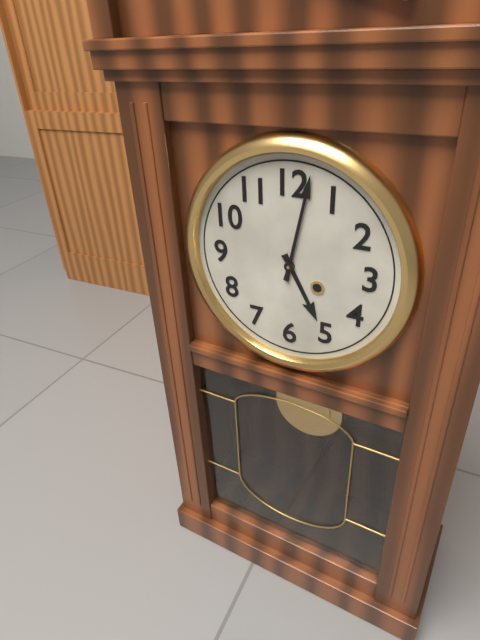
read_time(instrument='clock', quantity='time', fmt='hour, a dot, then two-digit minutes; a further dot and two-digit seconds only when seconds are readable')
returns 5.02
